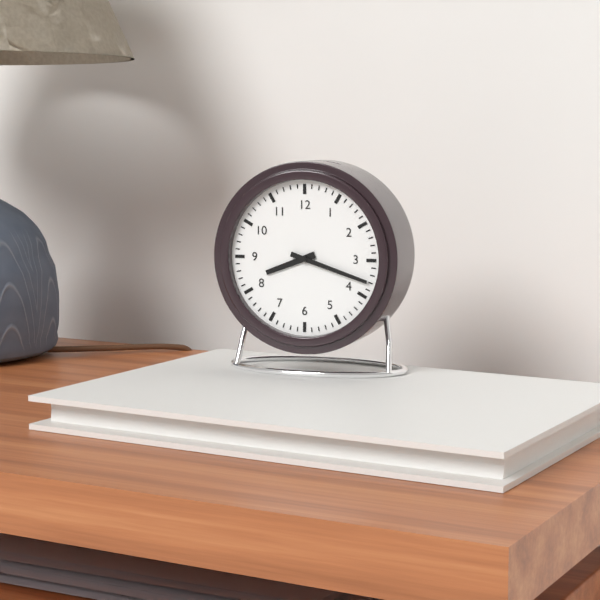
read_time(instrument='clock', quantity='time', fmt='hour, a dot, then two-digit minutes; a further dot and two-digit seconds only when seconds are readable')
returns 8.18
